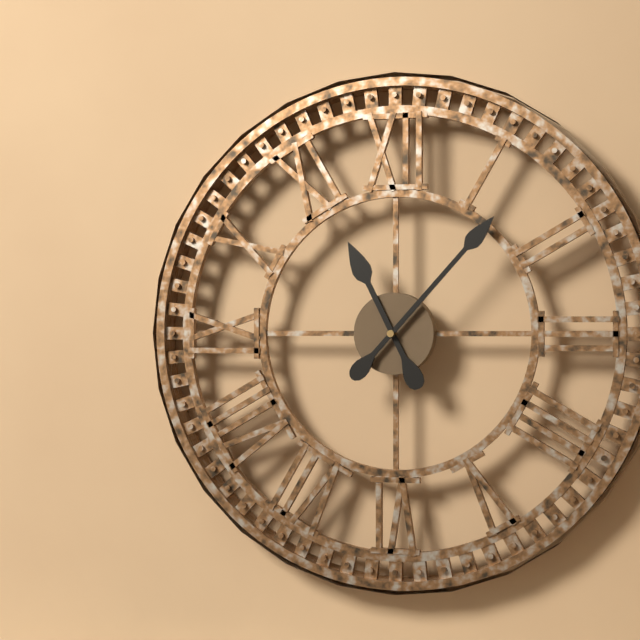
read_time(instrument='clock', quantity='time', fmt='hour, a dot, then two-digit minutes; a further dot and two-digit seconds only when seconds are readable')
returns 11.07
